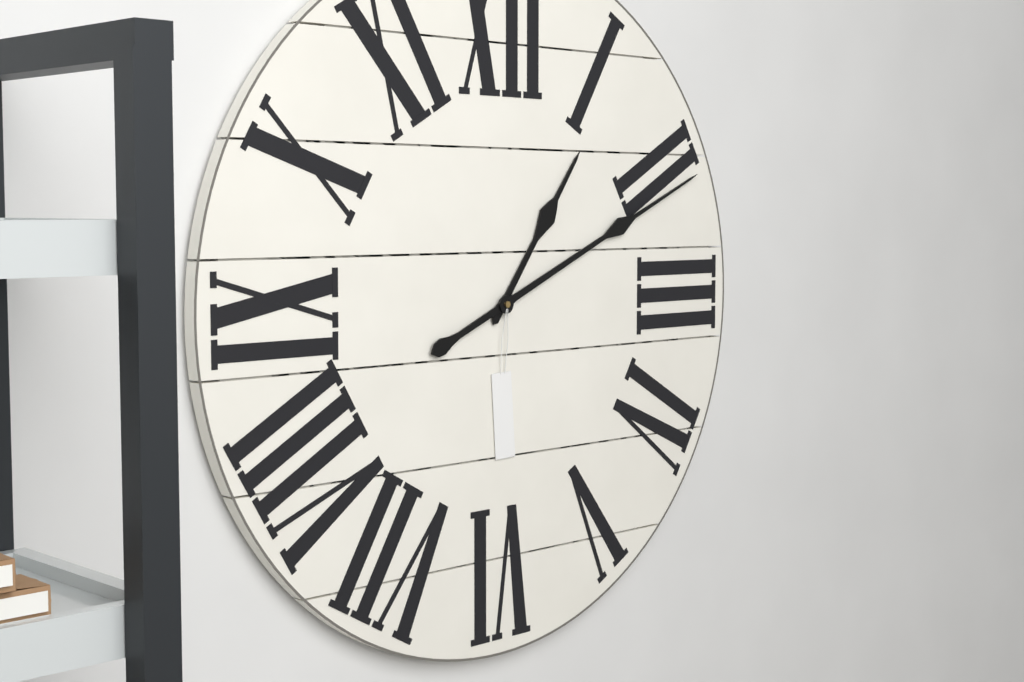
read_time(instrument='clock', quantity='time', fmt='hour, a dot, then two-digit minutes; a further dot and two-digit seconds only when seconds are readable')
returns 1.11
